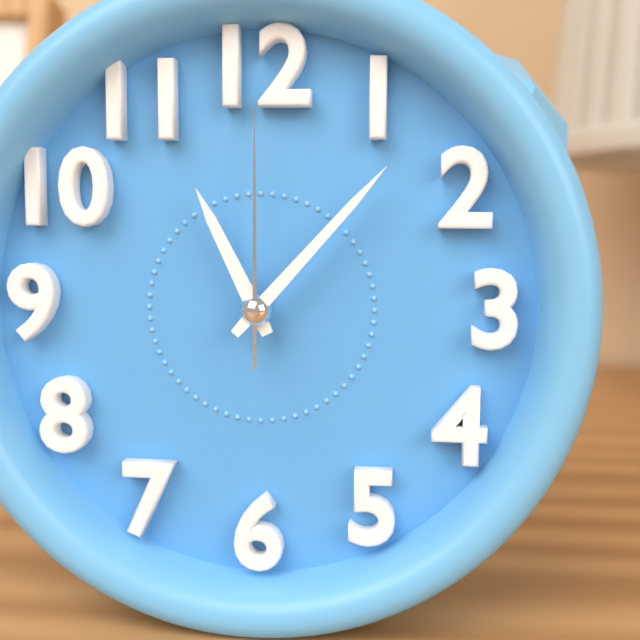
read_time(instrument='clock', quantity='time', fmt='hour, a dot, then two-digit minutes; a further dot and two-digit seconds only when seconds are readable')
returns 11.07.00
